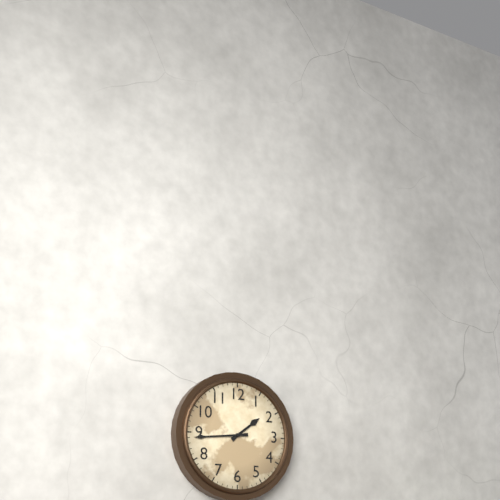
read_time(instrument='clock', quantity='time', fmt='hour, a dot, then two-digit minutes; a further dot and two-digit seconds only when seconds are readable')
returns 1.44
